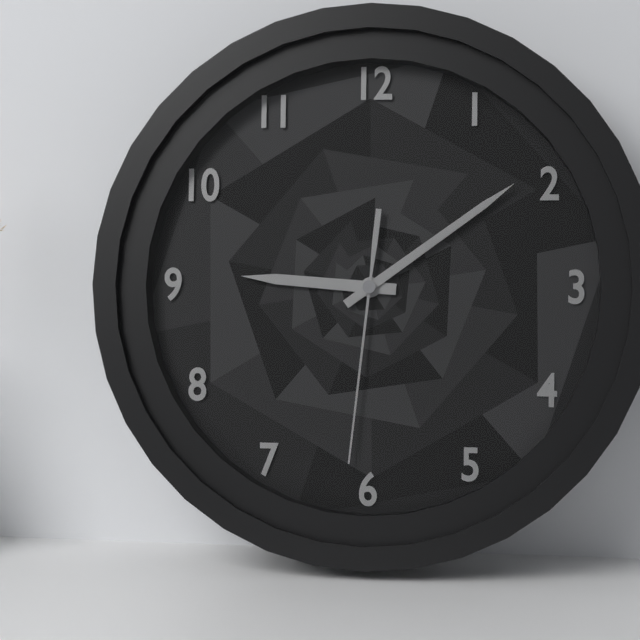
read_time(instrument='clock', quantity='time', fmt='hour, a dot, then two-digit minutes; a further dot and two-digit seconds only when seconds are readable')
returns 9.09.31
